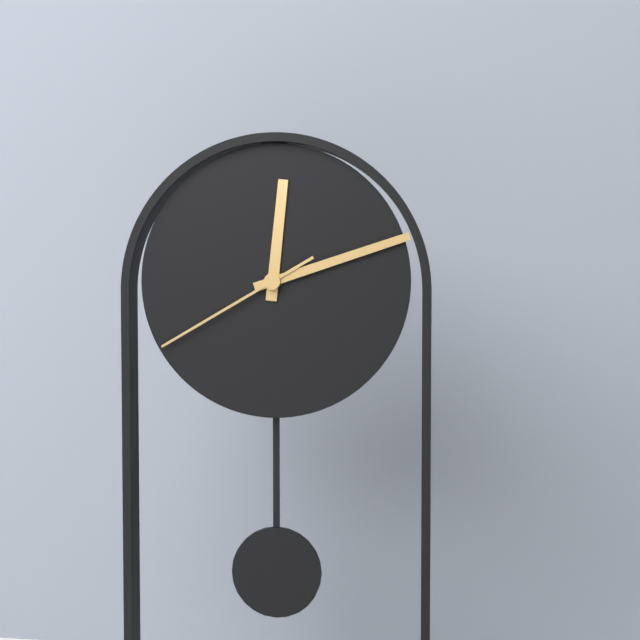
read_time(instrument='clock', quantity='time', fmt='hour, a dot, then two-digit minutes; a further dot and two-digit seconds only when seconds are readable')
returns 12.12.40
